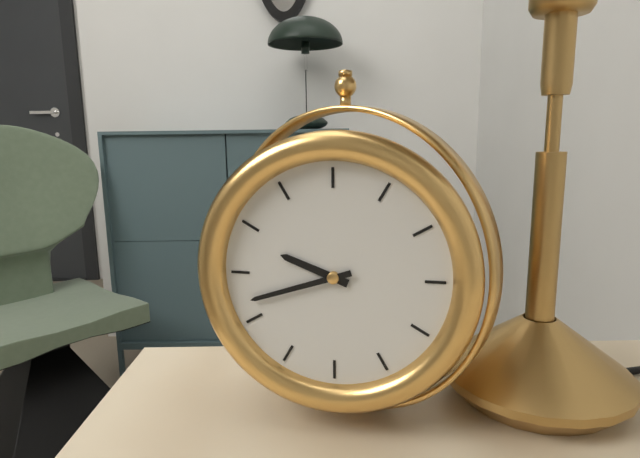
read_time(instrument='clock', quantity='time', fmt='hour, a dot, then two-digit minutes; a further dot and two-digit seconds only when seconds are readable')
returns 9.42
